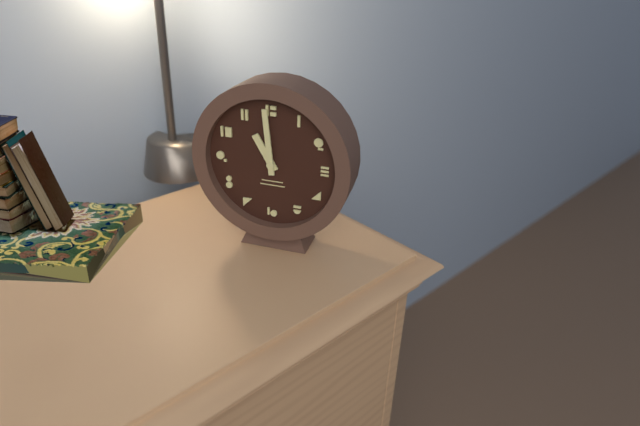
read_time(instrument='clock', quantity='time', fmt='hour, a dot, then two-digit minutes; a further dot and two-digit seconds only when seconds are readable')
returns 10.59
